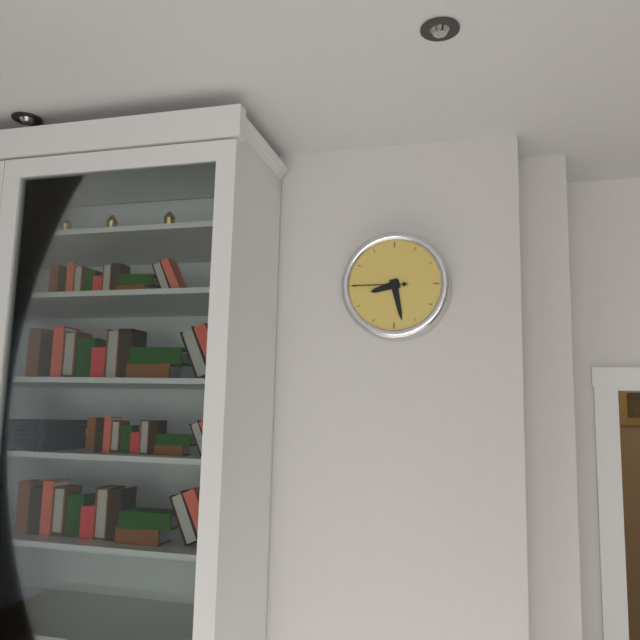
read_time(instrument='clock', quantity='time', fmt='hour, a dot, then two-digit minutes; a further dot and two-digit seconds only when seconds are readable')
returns 8.28.45
